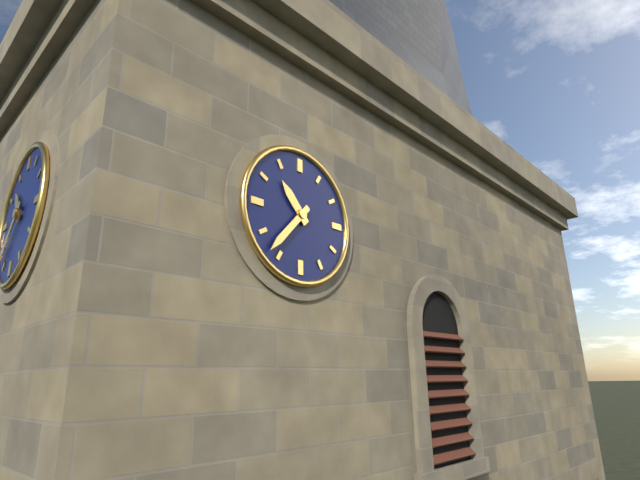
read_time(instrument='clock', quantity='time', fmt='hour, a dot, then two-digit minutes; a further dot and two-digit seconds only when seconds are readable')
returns 10.37
